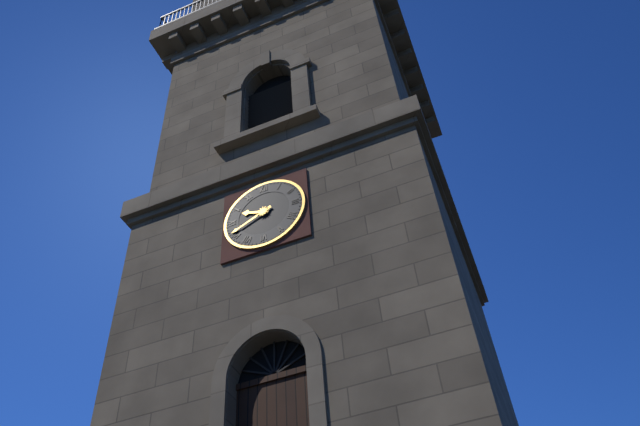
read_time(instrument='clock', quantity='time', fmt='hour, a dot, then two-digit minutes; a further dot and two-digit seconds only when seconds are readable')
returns 9.41
